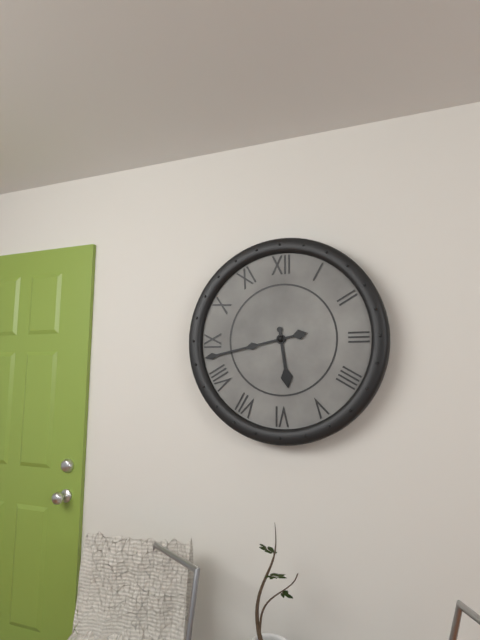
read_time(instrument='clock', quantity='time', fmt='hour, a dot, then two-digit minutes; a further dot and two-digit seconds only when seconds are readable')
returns 5.43
